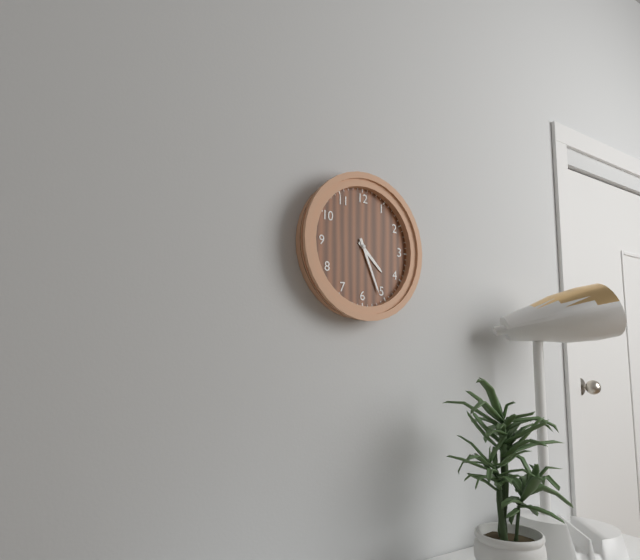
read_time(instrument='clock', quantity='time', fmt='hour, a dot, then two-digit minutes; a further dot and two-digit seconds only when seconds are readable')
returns 4.26
